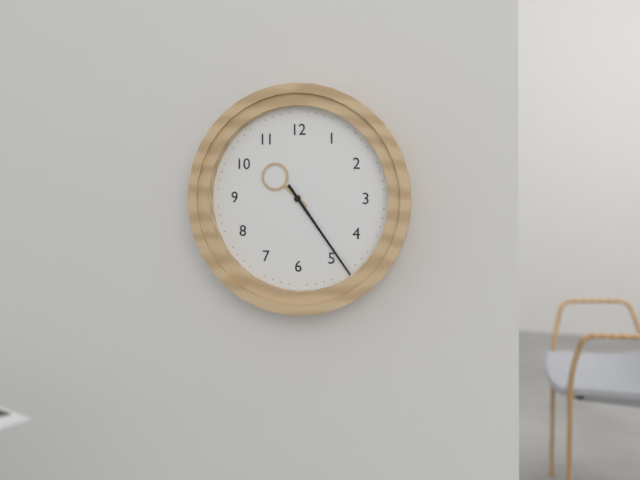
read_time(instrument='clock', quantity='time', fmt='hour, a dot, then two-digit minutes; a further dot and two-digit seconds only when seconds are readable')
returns 10.24
